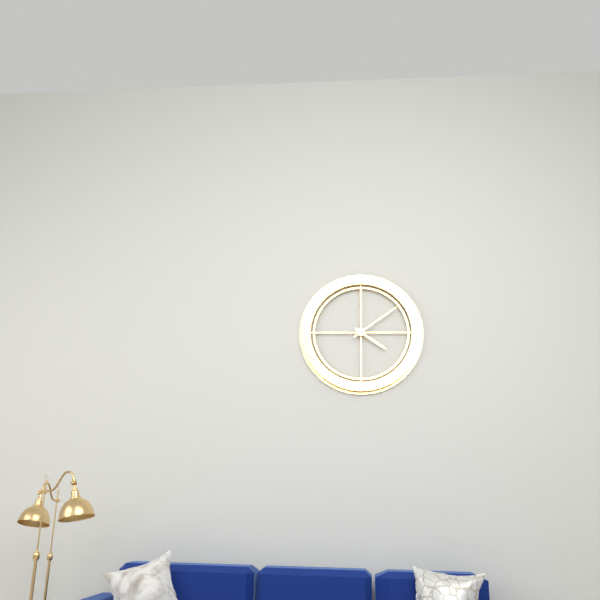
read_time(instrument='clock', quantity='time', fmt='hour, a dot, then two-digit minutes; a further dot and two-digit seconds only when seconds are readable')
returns 4.09
